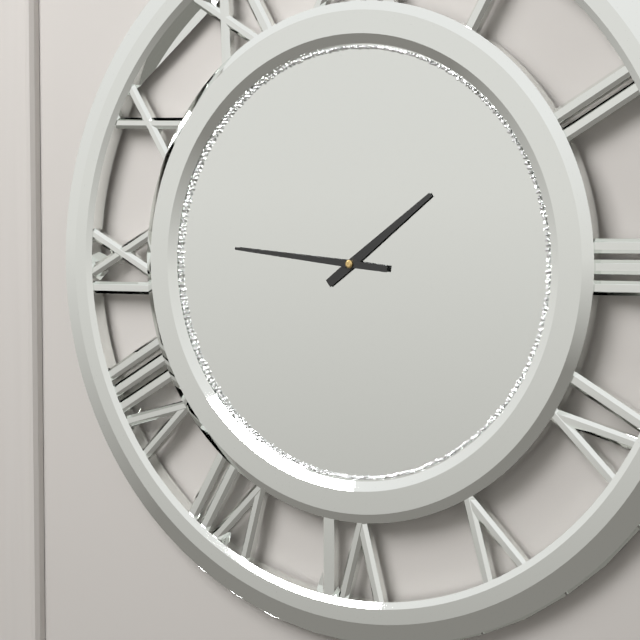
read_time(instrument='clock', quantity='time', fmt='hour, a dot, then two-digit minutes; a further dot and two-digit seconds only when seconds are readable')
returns 1.46
